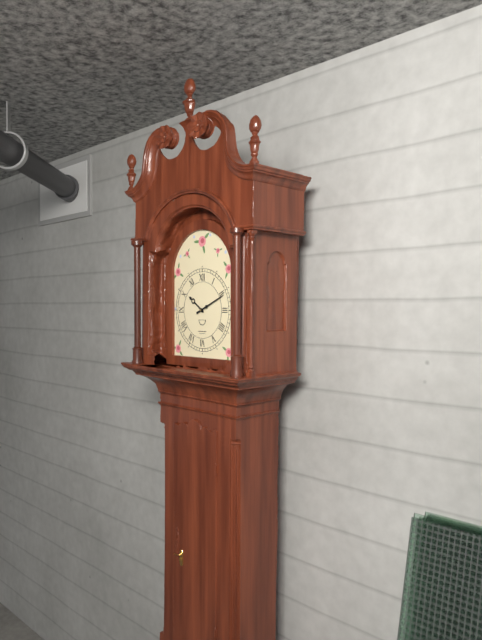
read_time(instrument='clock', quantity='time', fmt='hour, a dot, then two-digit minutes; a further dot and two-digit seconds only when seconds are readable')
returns 10.11
